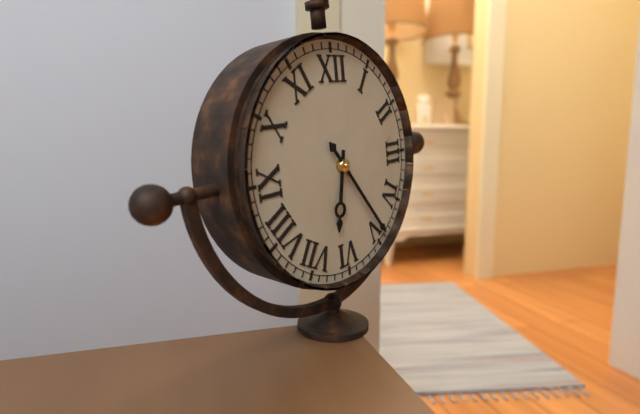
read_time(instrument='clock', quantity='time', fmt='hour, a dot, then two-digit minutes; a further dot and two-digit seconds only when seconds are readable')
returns 6.24
